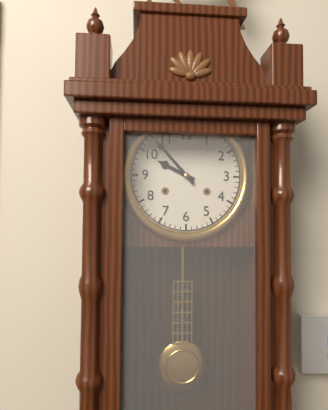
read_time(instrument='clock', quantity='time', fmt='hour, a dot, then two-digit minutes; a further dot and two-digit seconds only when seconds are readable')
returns 9.53
